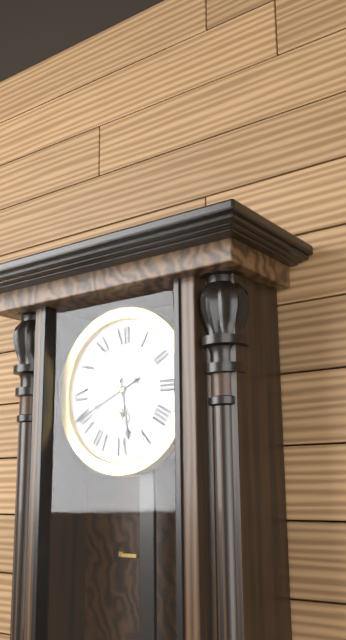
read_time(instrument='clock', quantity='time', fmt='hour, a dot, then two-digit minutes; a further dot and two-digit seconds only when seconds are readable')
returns 5.41
